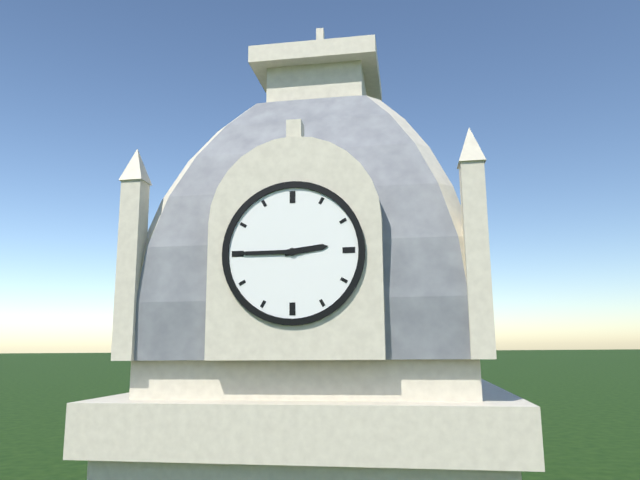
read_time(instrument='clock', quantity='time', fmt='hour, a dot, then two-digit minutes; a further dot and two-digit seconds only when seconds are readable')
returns 2.45
